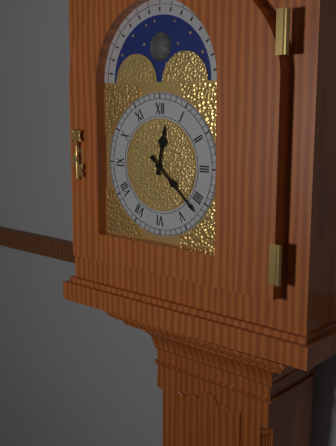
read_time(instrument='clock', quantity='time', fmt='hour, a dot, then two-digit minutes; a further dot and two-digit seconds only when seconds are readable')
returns 12.22
